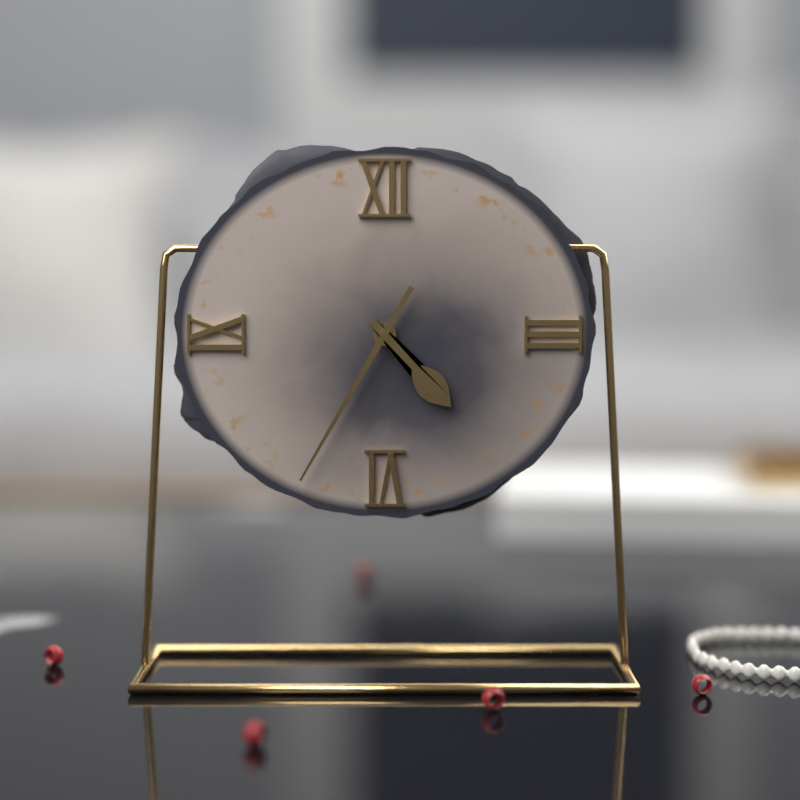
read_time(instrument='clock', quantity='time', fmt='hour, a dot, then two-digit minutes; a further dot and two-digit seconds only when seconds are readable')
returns 4.35
